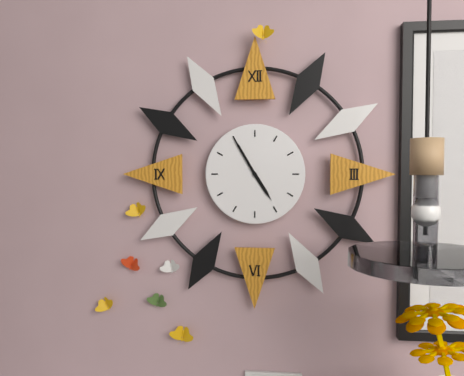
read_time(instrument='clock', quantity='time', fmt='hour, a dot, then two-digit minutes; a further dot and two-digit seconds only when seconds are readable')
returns 4.55
